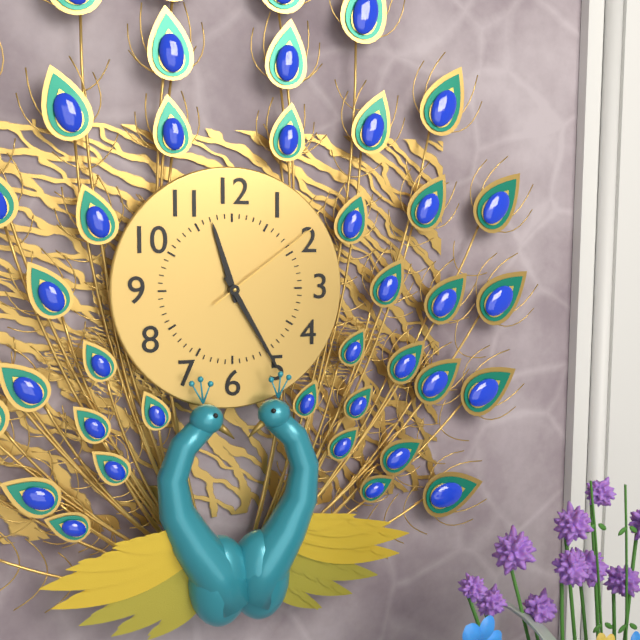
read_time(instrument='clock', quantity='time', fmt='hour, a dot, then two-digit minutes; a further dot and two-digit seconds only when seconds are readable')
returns 11.25.09
